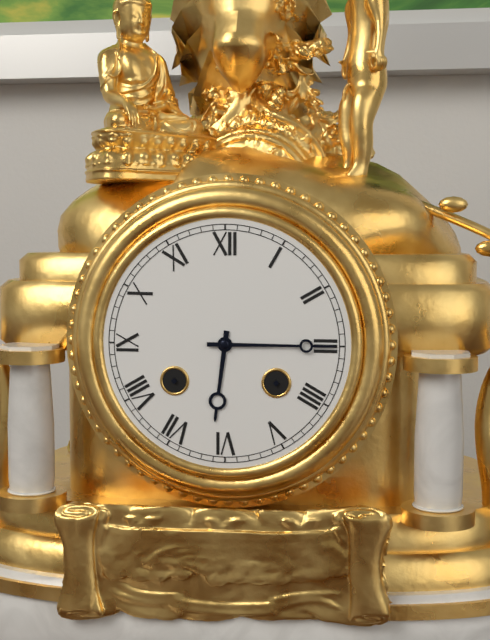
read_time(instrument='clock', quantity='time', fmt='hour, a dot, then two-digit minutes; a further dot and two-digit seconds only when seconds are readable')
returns 6.15
